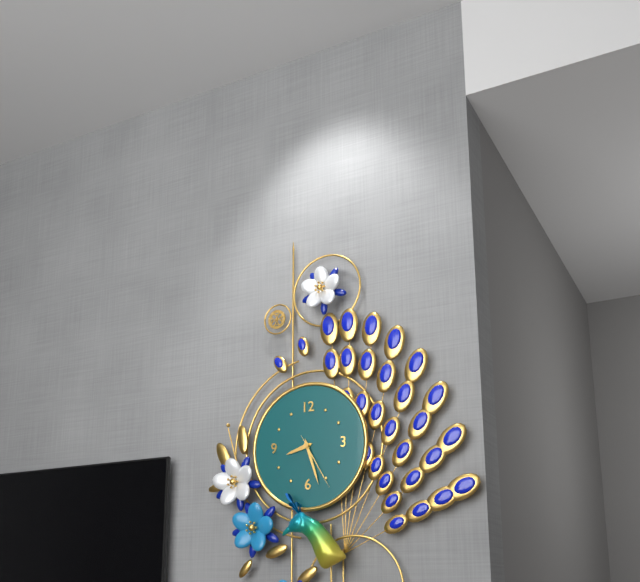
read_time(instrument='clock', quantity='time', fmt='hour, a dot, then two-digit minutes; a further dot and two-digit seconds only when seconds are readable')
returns 8.27.25
